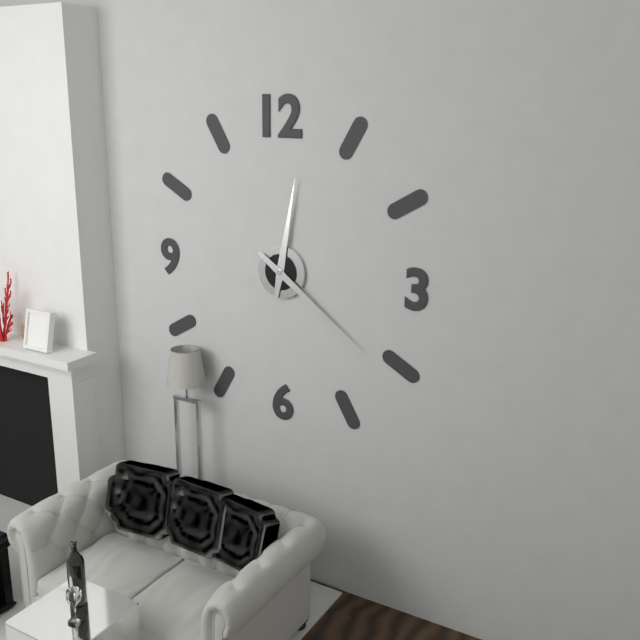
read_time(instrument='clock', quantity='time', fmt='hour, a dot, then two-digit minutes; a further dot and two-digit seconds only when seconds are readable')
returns 12.21
